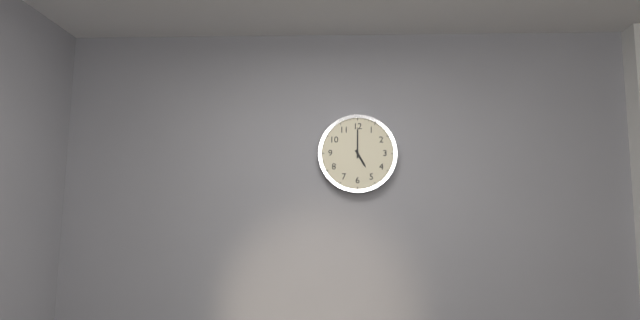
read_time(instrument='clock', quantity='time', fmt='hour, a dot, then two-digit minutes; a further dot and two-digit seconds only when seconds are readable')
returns 5.00
